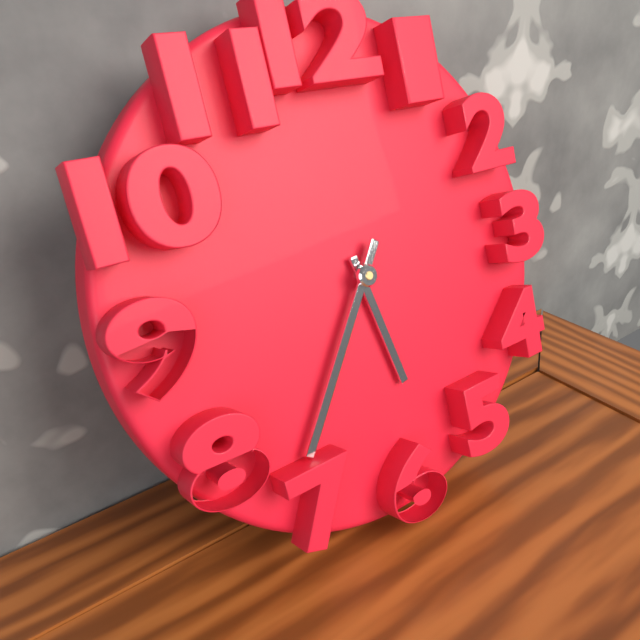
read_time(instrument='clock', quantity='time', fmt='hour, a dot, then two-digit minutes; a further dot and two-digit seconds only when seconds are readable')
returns 5.36
